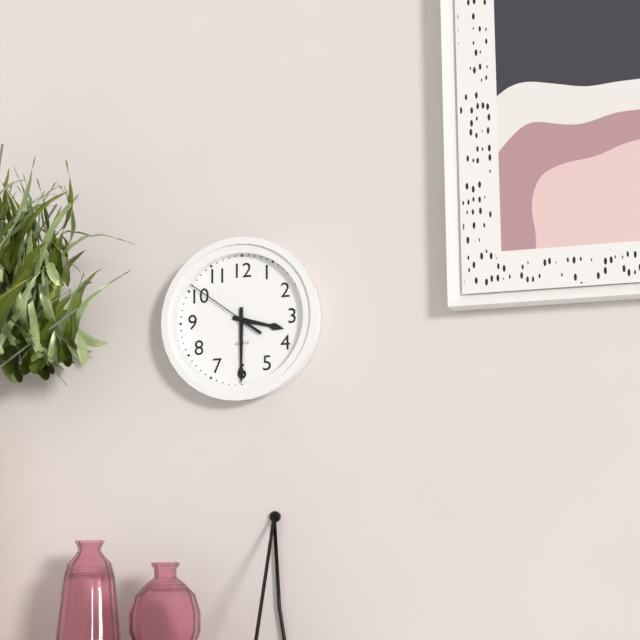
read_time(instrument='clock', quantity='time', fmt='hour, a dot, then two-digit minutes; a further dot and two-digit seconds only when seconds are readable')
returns 3.30.51
